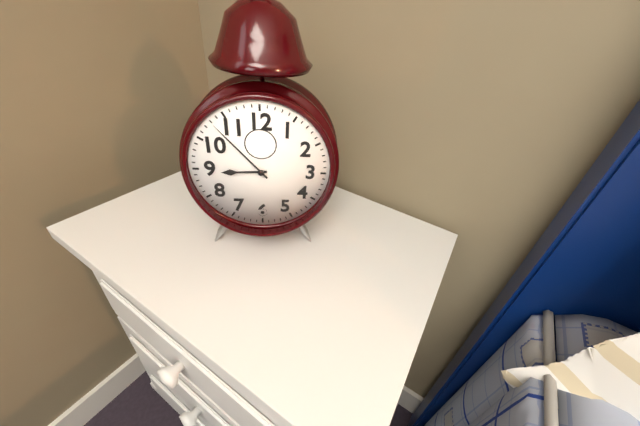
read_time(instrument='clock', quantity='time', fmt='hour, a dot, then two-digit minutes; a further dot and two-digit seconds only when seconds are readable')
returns 8.53
